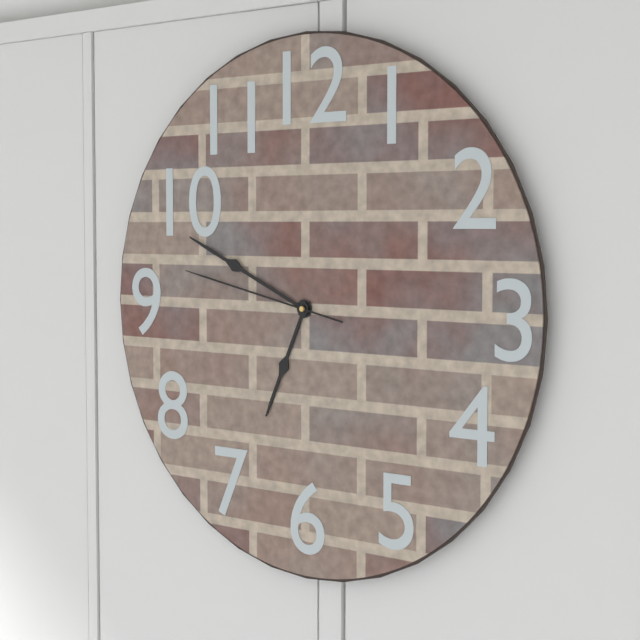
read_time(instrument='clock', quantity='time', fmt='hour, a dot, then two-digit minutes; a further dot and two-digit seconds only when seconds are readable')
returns 6.49.47
